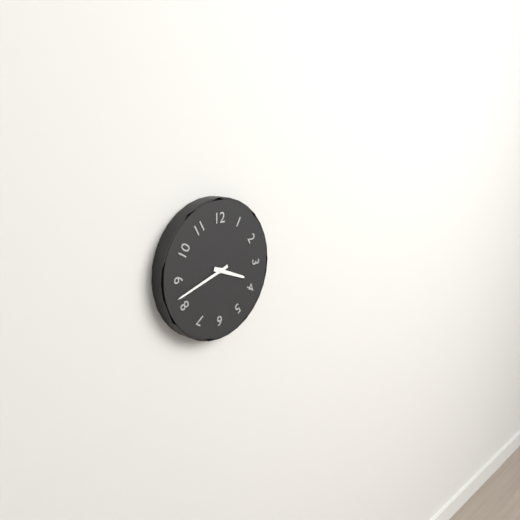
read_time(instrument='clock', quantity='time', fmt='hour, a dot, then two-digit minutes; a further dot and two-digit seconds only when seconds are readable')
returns 3.42
